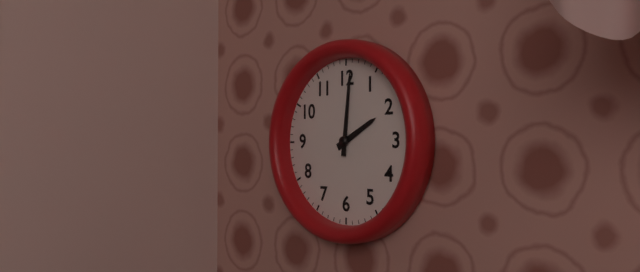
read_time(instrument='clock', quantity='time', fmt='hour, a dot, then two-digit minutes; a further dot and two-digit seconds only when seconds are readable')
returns 2.01
